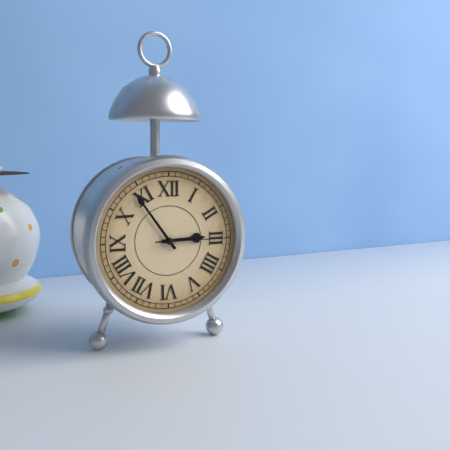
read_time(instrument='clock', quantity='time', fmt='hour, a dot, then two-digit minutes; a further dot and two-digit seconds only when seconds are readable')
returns 2.54.15
